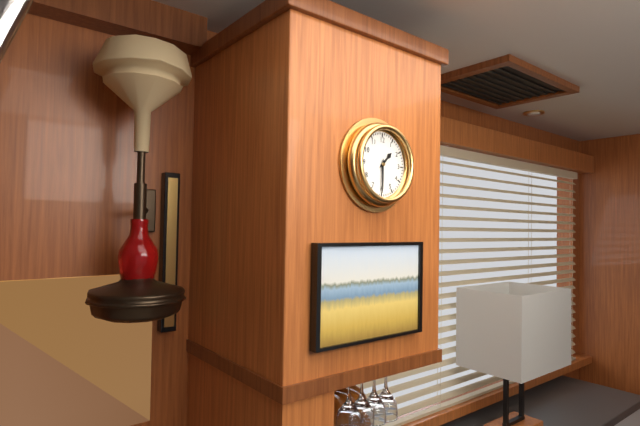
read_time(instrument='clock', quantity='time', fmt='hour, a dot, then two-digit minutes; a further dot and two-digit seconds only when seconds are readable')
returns 1.30
